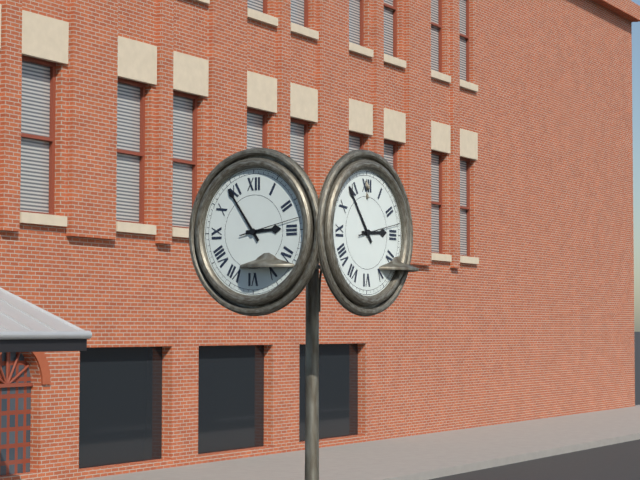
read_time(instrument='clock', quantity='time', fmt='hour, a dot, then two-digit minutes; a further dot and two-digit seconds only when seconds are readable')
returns 2.54
